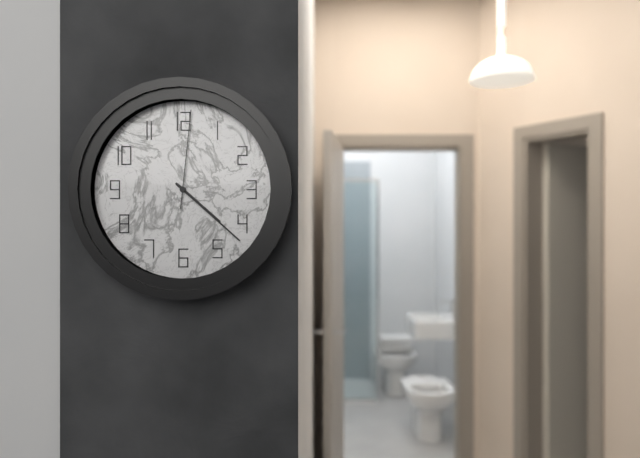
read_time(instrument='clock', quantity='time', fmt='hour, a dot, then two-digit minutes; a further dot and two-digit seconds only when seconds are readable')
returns 4.22.01
